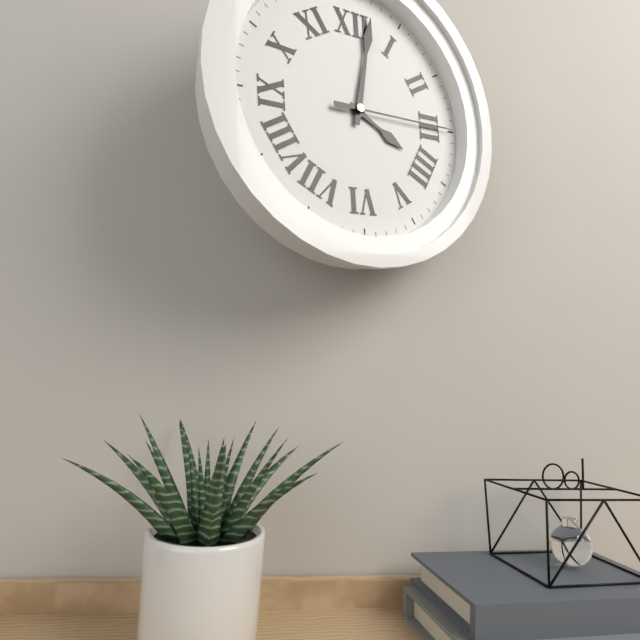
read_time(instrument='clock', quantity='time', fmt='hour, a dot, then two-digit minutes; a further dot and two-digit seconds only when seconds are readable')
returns 4.02.15
